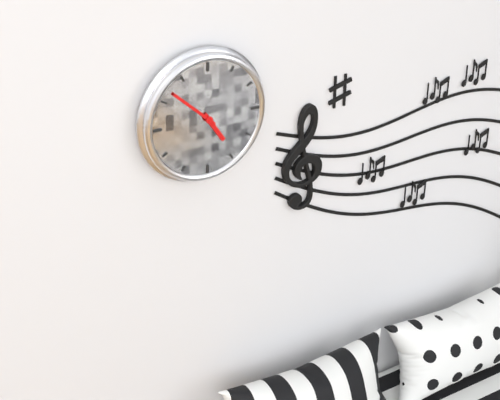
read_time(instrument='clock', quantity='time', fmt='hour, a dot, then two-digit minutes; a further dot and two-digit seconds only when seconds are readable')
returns 4.52
